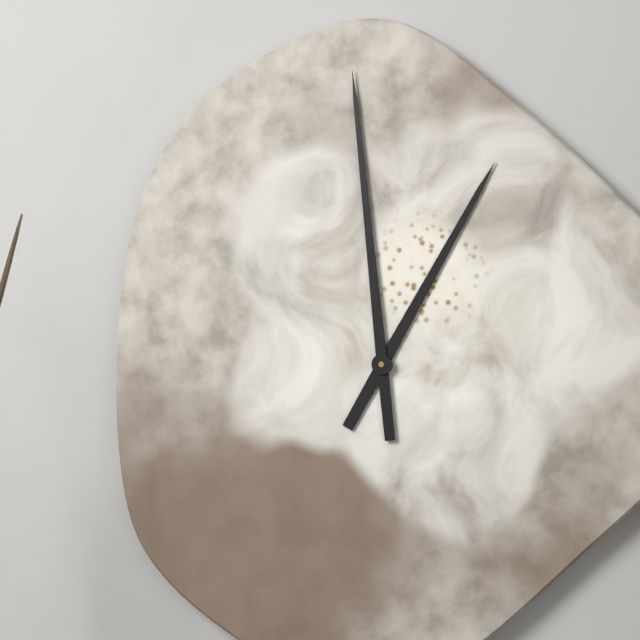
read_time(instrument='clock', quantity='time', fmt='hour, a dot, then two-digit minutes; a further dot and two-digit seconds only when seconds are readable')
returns 12.59
